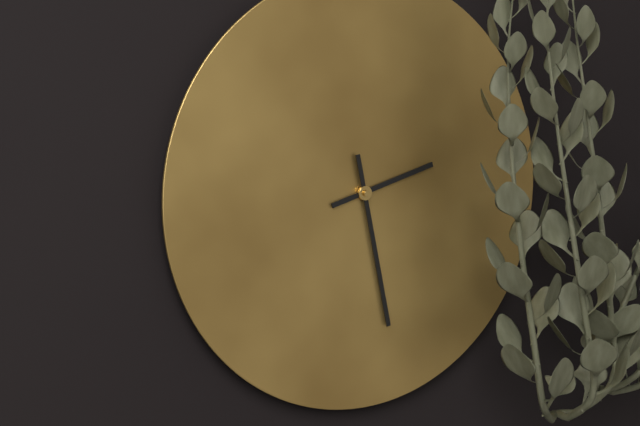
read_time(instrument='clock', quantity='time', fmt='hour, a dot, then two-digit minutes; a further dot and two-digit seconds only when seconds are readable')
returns 2.28
